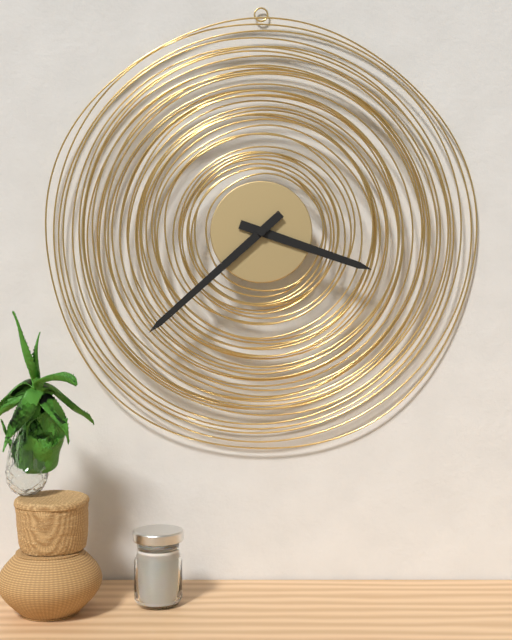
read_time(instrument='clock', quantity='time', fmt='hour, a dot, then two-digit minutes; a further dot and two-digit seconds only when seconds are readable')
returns 3.38
